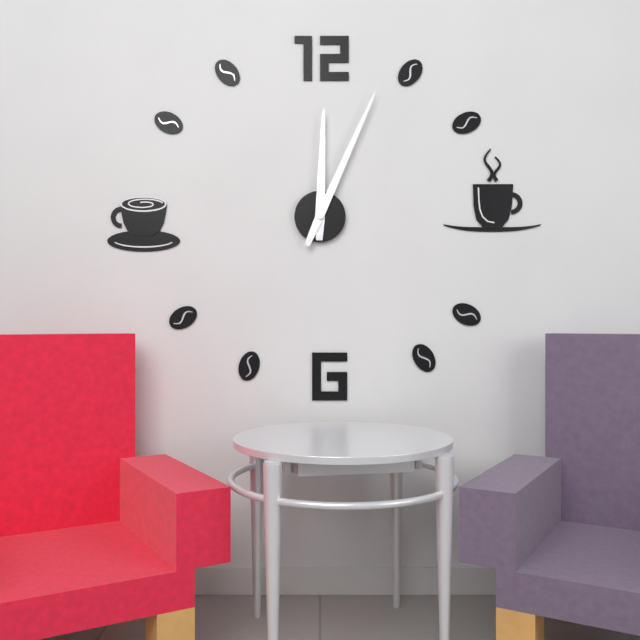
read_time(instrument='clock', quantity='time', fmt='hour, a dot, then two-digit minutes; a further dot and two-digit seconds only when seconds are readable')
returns 12.04
